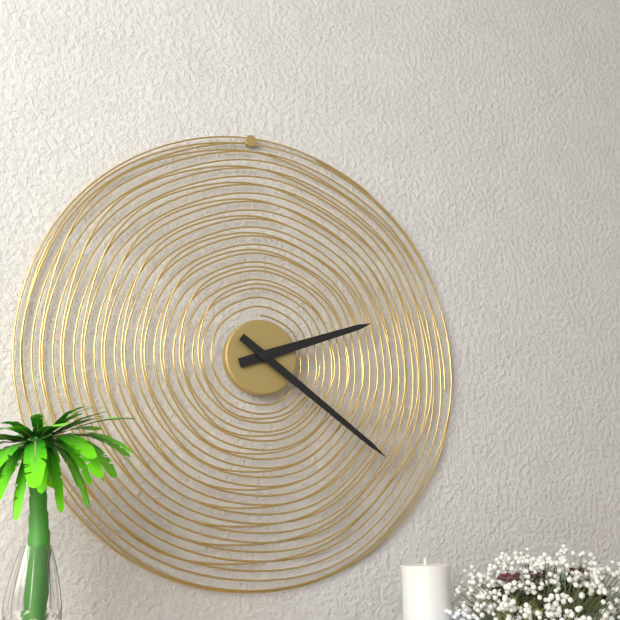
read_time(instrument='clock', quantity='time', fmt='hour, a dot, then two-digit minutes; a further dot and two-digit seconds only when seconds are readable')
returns 2.21
